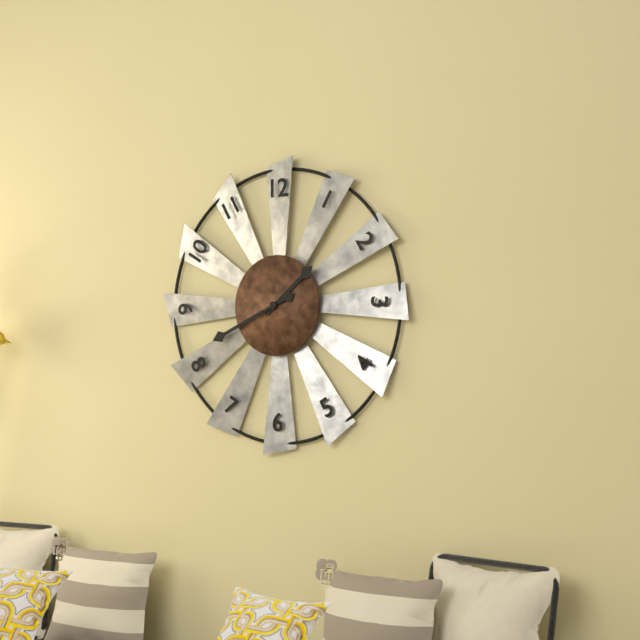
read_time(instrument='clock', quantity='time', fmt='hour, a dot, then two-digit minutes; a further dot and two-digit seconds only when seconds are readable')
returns 1.41
